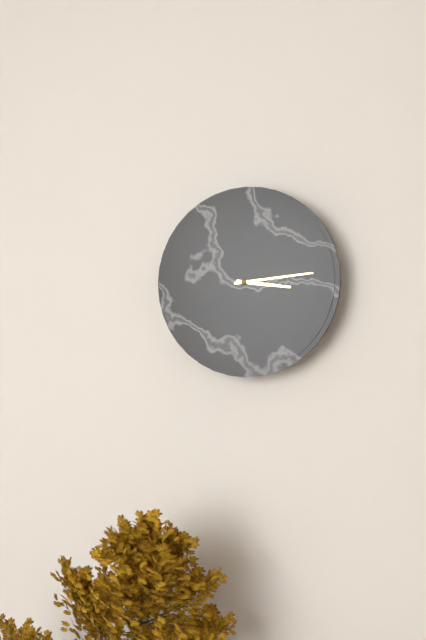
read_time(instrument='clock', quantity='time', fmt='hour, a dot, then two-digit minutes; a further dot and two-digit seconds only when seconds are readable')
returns 3.14
